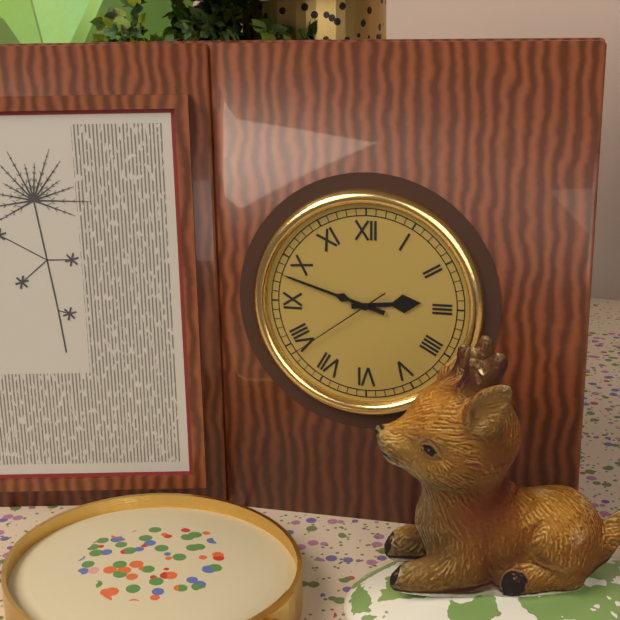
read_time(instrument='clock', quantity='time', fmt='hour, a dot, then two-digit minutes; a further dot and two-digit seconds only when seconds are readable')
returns 2.48.39
